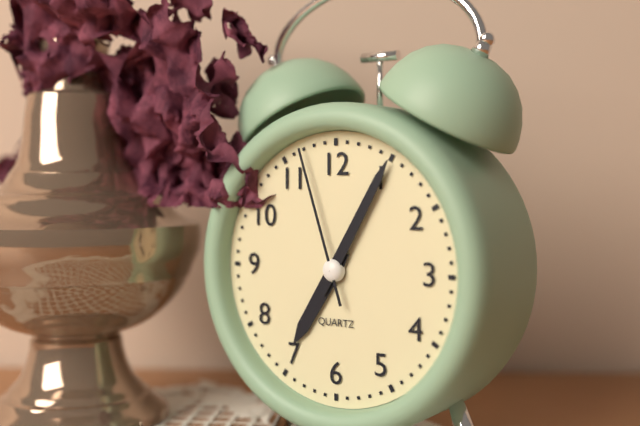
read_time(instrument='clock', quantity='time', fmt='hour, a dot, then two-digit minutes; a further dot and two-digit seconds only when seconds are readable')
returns 7.05.57
